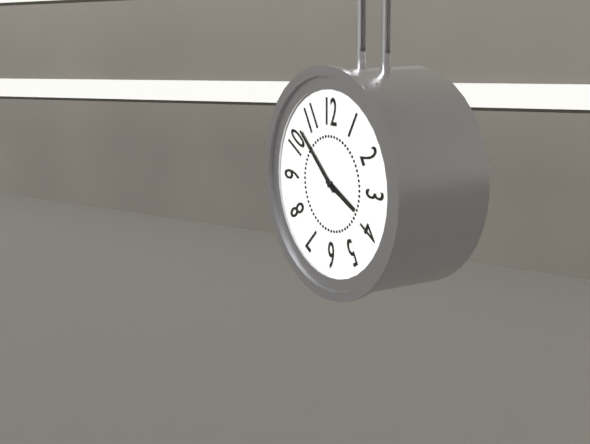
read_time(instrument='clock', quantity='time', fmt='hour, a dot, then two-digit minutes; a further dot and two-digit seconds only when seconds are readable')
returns 3.52
